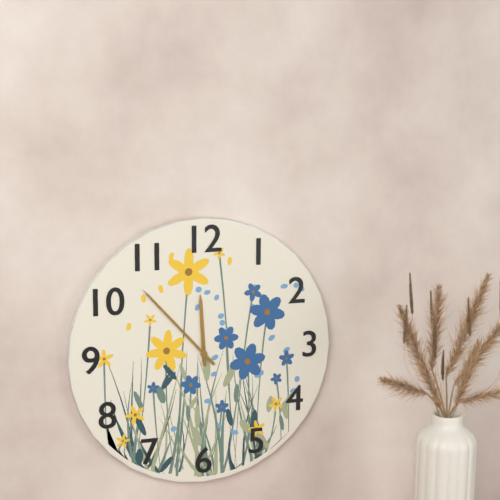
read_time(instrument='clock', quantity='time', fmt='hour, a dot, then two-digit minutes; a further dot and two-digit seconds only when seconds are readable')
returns 11.53
